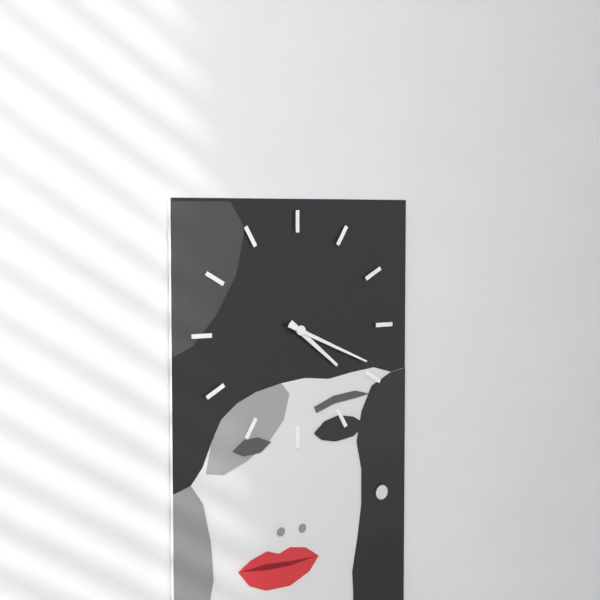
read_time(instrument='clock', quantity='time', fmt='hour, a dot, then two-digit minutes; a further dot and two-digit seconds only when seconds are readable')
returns 4.19
